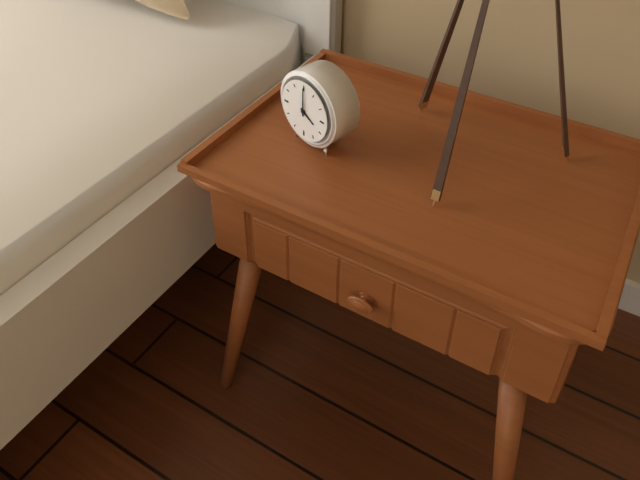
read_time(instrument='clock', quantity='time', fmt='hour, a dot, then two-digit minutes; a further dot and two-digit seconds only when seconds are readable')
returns 4.00
